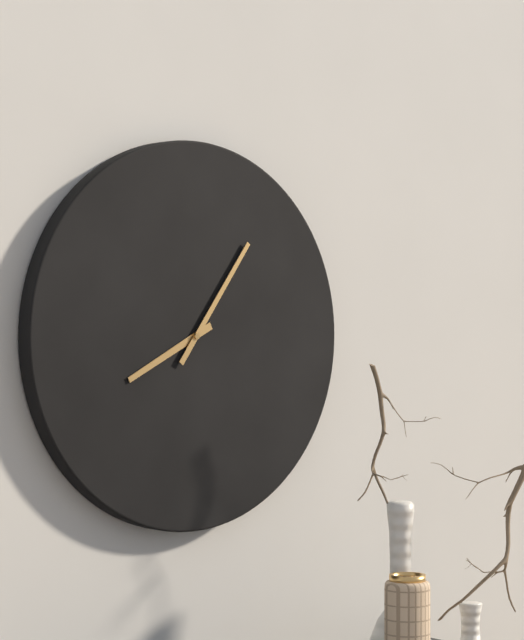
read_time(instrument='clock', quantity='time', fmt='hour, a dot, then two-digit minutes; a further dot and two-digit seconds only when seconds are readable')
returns 8.06
